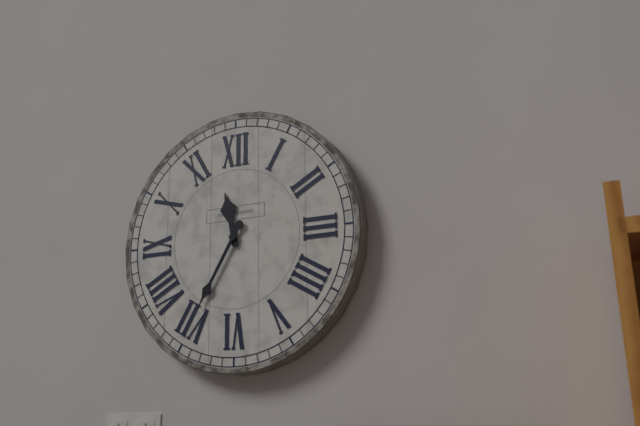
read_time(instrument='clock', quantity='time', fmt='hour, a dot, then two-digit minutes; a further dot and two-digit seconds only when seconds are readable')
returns 11.35
